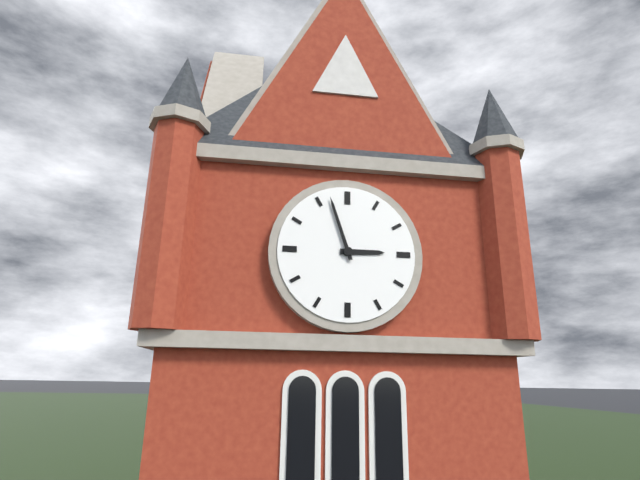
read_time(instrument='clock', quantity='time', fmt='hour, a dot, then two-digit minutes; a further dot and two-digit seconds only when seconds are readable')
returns 2.57
